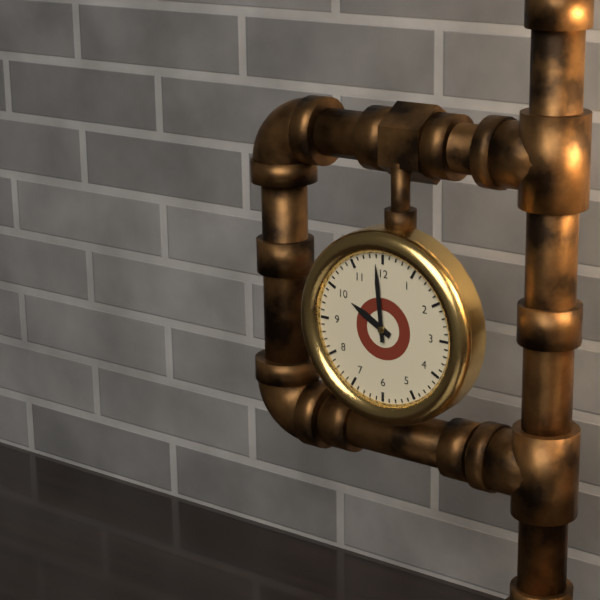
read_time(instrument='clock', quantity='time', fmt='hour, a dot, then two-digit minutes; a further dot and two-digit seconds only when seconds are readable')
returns 9.59
